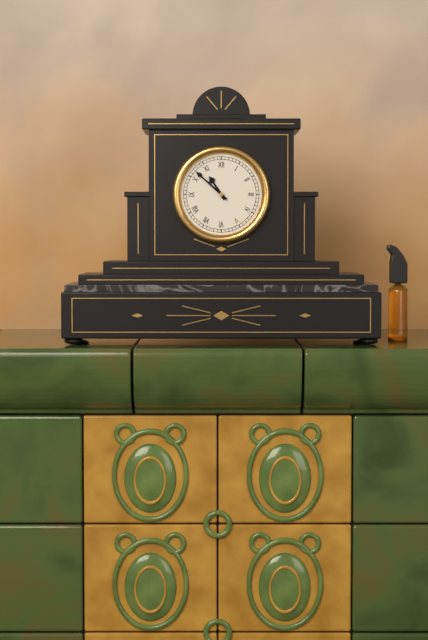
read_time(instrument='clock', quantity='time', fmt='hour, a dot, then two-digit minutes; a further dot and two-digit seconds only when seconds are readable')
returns 10.52
